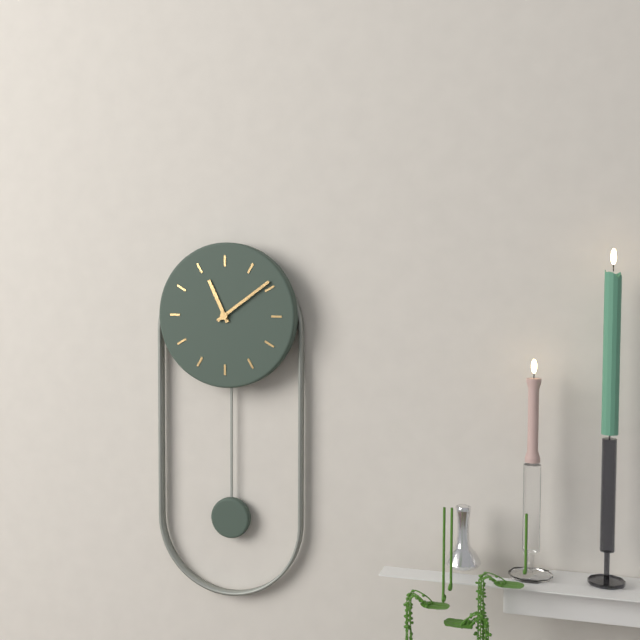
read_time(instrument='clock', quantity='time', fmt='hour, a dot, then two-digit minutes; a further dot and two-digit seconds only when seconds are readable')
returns 11.09
